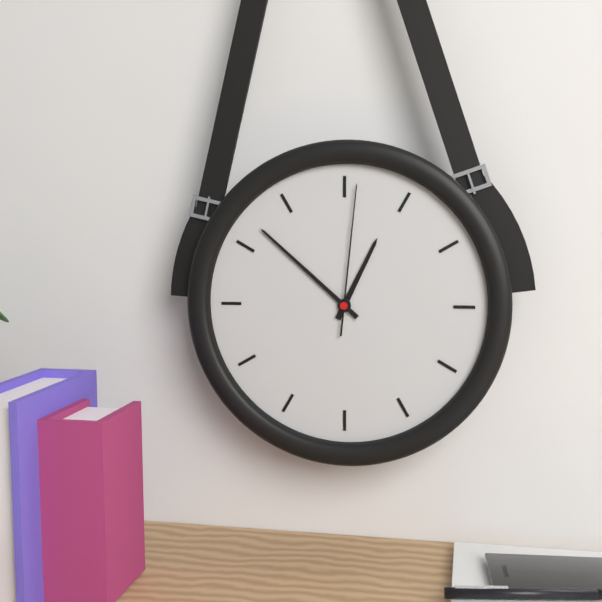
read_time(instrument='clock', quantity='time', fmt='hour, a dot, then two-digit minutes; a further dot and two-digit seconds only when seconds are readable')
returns 12.52.01
